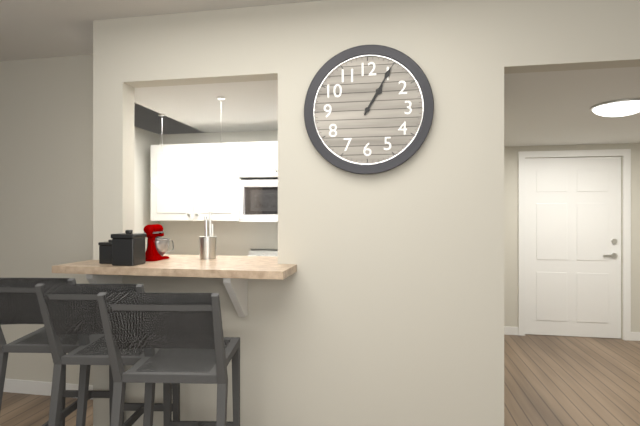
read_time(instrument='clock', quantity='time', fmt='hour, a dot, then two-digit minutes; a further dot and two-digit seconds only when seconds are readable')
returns 1.05
